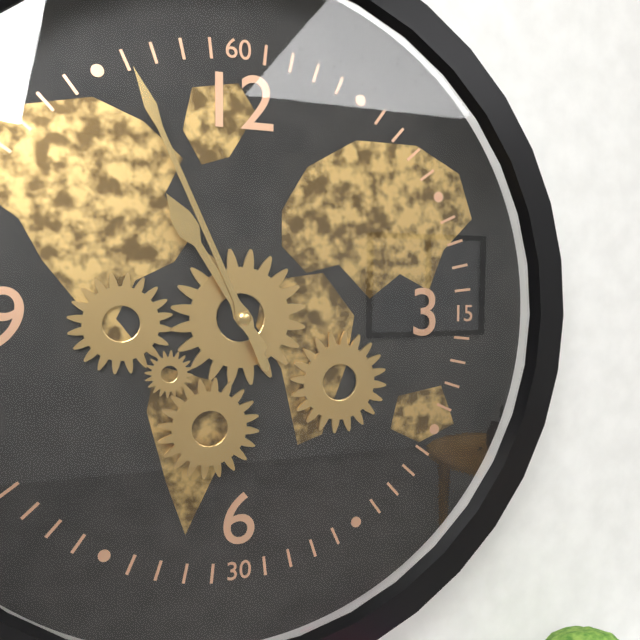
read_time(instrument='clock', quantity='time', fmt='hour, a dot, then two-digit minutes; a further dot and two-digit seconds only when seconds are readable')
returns 10.56
